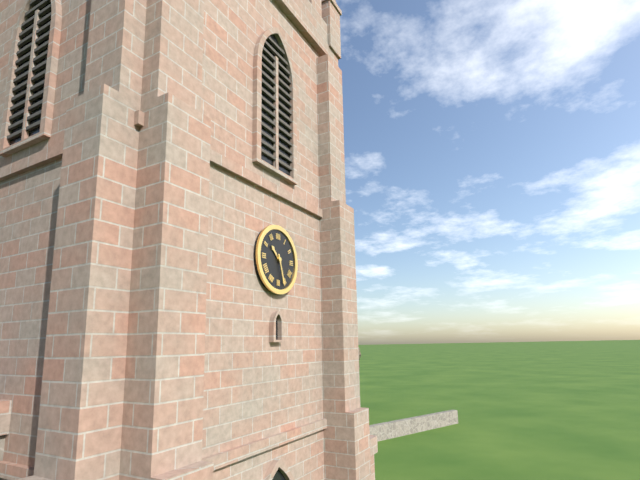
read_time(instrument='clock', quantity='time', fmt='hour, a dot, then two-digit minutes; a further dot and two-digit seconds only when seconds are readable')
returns 10.27
